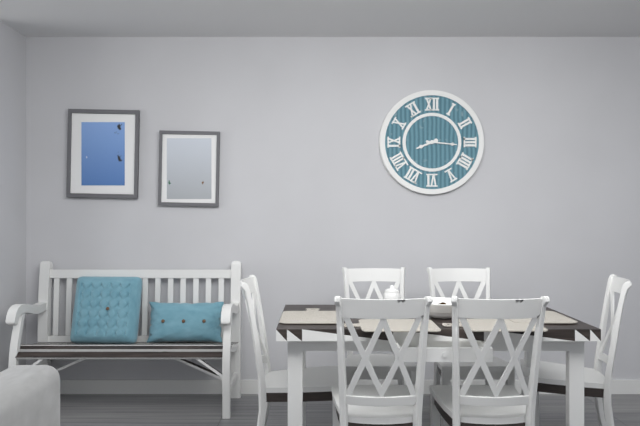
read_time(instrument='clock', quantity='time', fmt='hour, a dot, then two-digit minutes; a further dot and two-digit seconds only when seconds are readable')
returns 8.16
